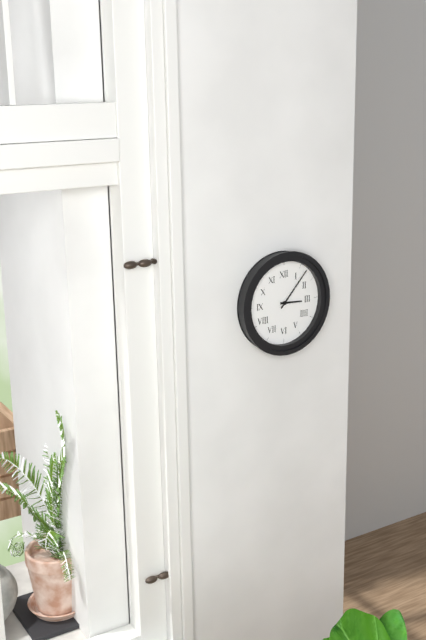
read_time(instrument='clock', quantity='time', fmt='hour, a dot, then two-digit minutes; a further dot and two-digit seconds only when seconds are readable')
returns 3.07
